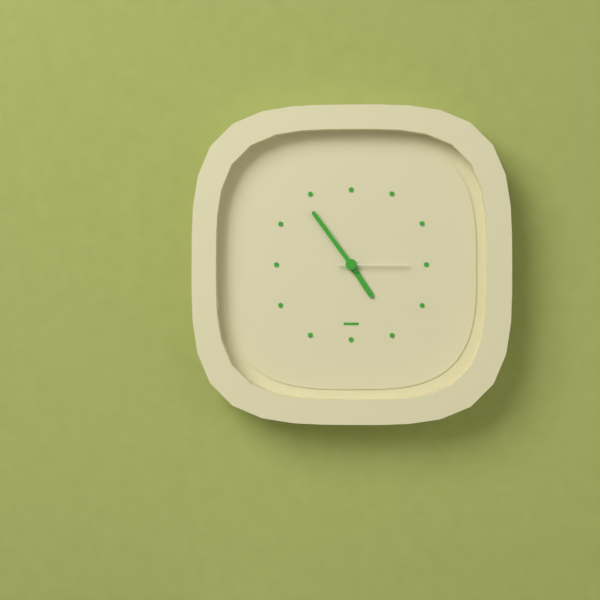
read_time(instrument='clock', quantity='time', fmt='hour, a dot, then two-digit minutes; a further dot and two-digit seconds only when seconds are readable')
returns 4.54.15
